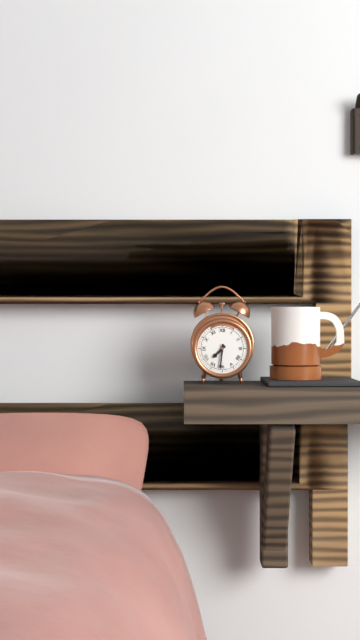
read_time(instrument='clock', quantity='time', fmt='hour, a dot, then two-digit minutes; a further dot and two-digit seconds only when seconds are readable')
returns 7.31
